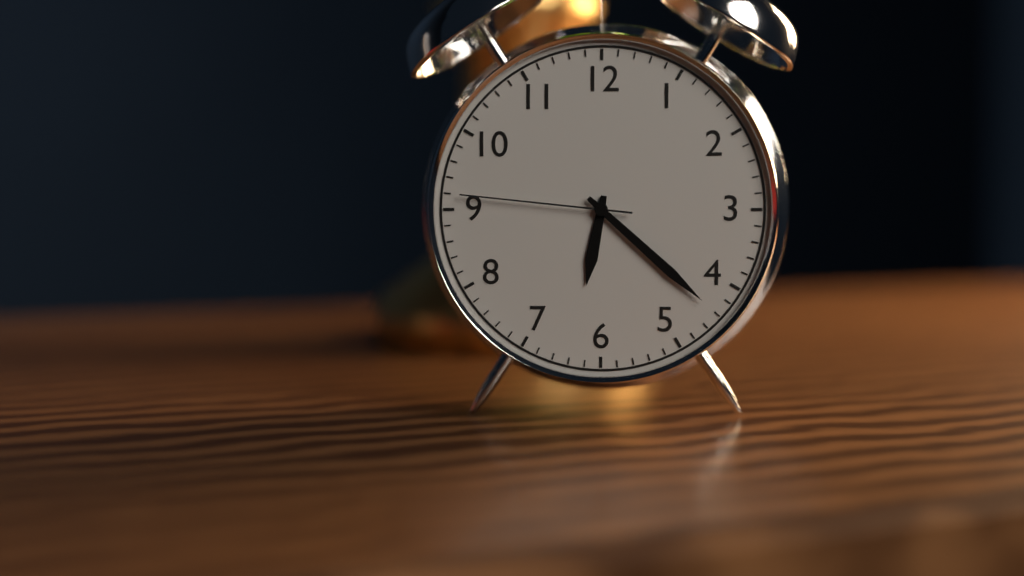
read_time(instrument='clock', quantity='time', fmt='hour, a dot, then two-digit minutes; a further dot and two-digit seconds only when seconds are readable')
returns 6.22.46
